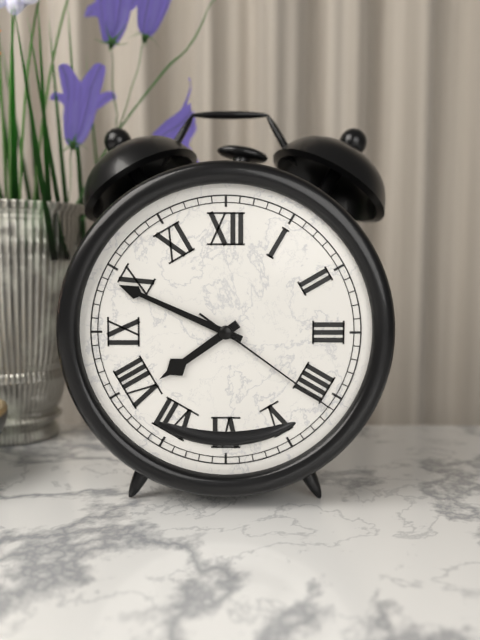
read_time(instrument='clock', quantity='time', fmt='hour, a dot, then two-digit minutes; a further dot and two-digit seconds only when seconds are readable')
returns 7.49.21
